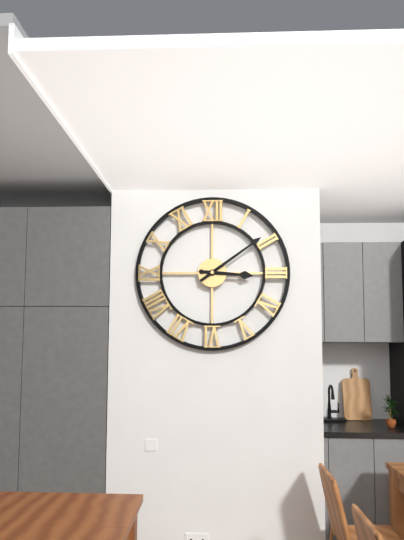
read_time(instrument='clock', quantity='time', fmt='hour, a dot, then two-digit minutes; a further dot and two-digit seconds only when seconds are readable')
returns 3.09
